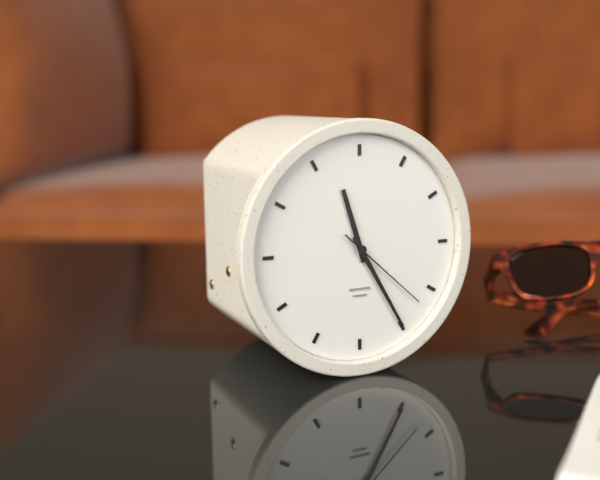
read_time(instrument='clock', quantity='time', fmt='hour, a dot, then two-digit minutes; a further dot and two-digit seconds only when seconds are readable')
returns 11.25.22
